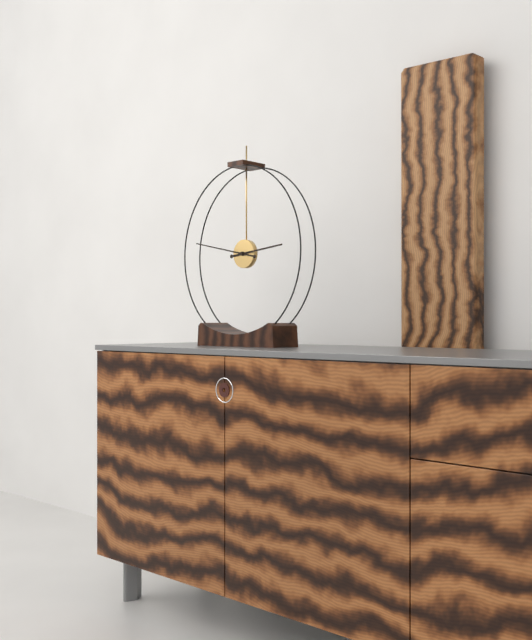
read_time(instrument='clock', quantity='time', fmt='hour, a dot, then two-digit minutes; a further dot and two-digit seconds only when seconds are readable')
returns 2.47
